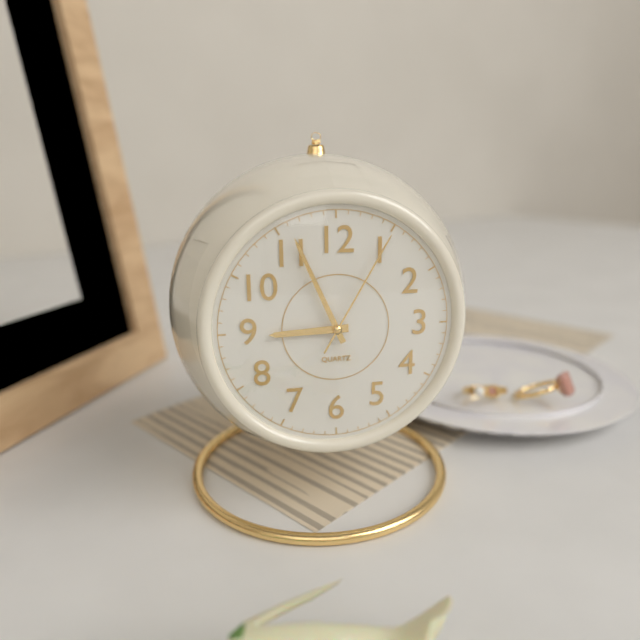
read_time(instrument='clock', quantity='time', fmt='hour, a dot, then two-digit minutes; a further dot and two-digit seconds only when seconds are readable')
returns 8.56.05
